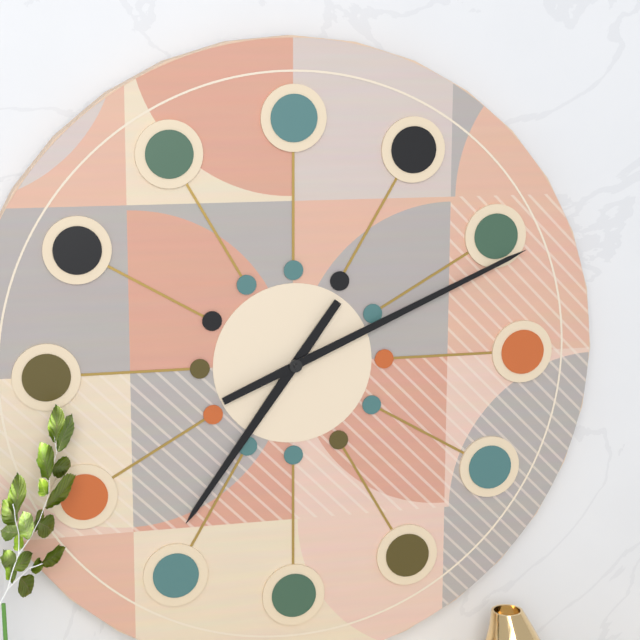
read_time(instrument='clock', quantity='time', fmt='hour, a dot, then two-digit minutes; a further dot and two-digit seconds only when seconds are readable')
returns 7.11
